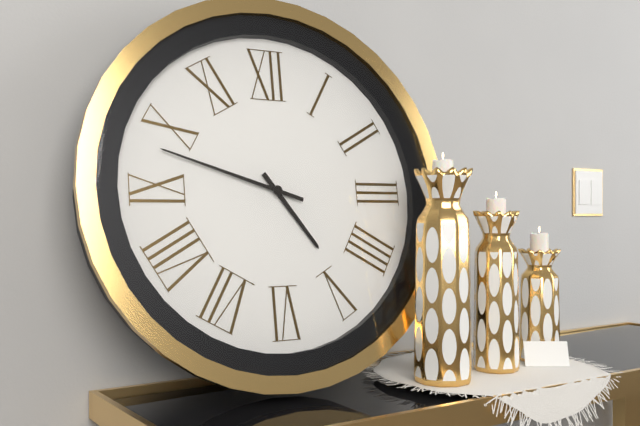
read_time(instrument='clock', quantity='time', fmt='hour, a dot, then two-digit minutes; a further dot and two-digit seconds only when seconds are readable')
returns 4.48
